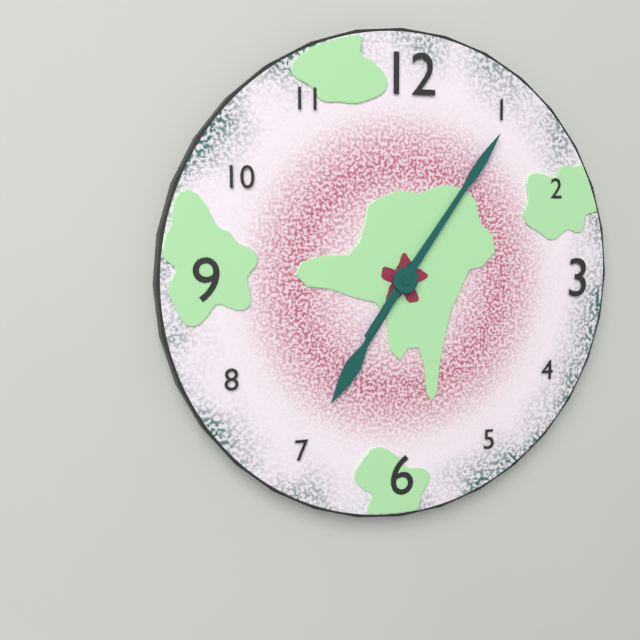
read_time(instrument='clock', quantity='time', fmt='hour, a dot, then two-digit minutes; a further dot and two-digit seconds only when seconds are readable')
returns 7.06
